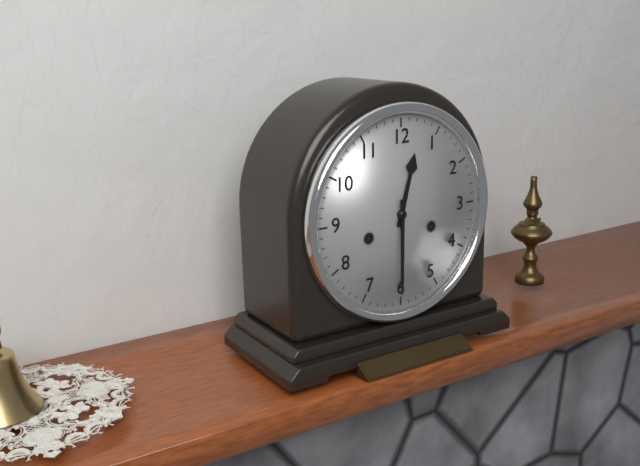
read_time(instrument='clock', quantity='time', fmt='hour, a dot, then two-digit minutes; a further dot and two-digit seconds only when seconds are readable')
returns 12.30
